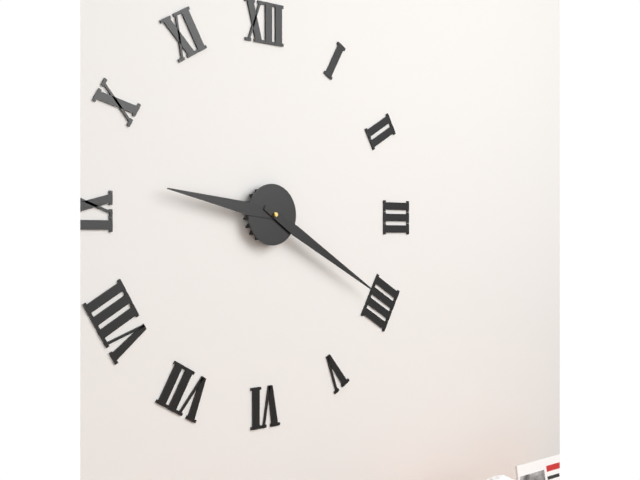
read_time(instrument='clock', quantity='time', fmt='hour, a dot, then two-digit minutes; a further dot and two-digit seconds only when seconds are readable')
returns 9.20
